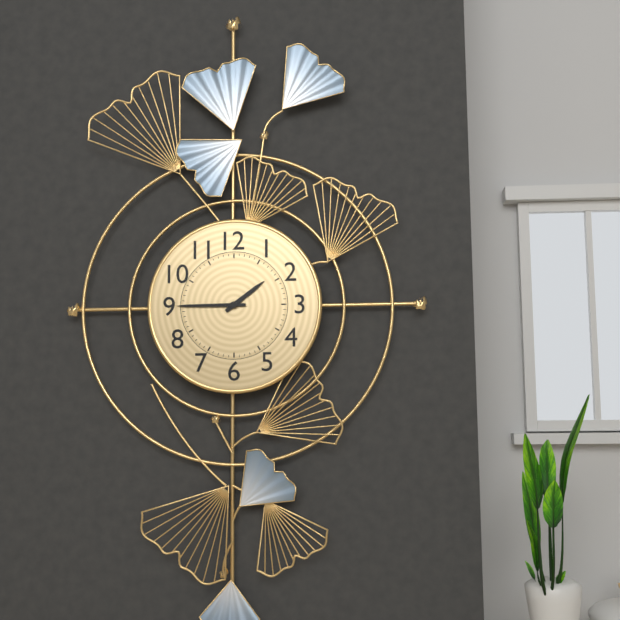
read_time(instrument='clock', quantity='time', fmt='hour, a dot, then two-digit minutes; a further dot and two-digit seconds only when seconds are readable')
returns 1.45
